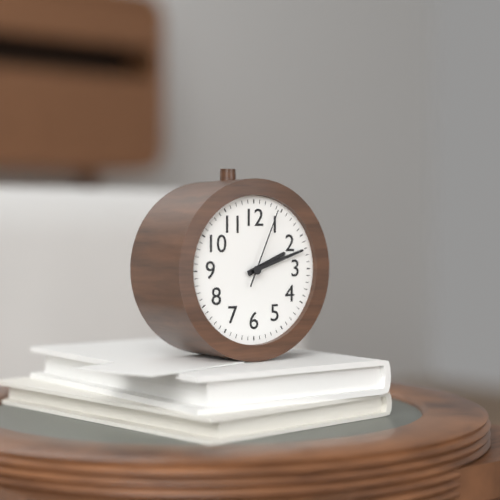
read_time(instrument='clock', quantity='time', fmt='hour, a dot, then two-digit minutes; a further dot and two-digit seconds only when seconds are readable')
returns 2.12.04
